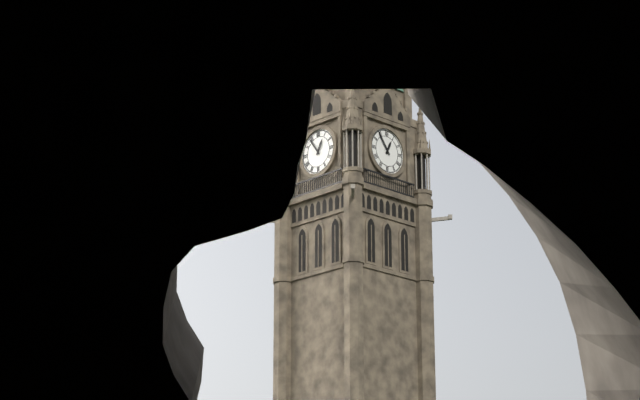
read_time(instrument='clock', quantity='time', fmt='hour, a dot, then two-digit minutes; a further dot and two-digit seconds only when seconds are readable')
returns 12.54
